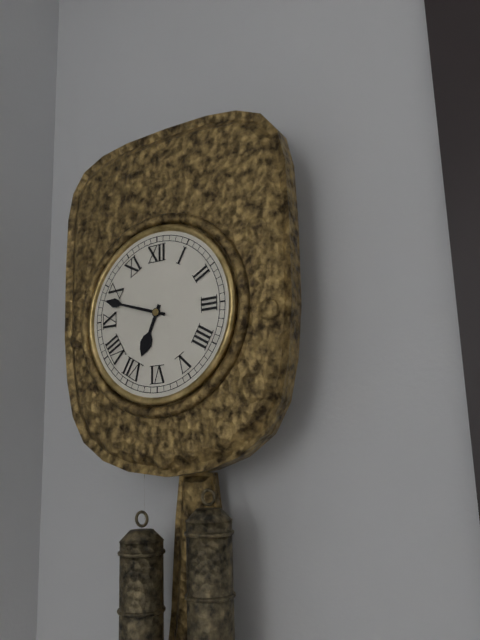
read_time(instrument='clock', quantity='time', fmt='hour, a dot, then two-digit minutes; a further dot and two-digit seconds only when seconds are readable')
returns 6.48
